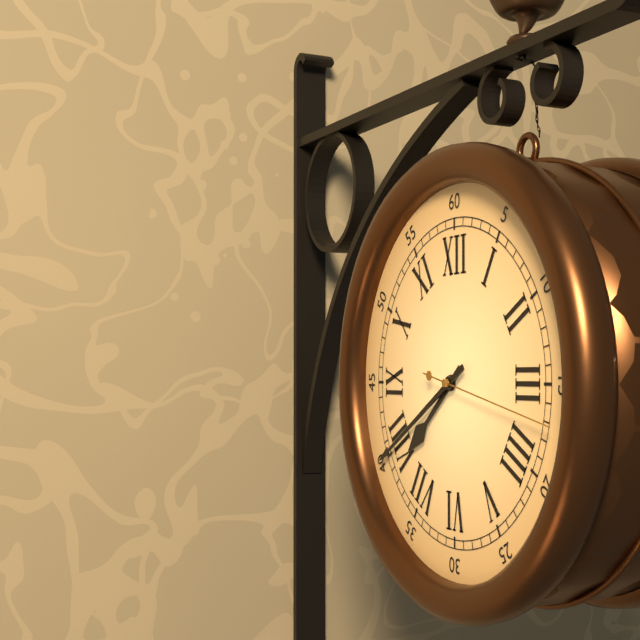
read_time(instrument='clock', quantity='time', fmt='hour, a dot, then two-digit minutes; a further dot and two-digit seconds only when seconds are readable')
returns 7.40.17
